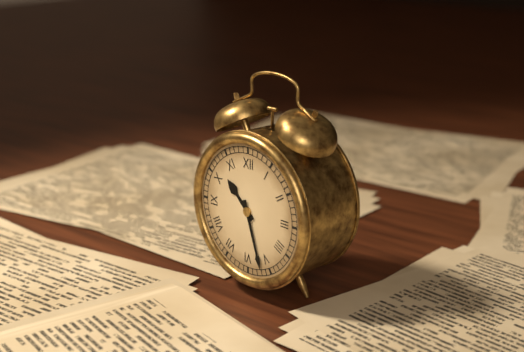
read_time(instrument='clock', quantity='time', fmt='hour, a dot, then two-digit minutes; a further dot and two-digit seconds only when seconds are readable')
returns 10.27
